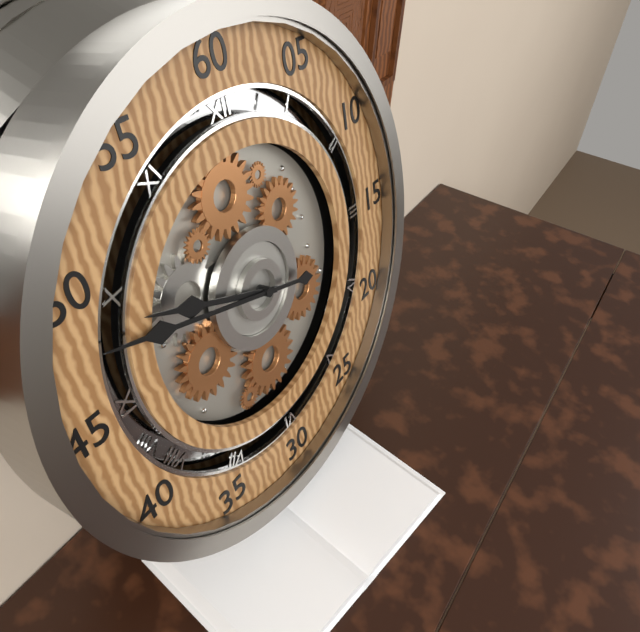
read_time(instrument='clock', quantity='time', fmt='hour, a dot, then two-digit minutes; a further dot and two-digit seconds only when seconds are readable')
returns 9.48
